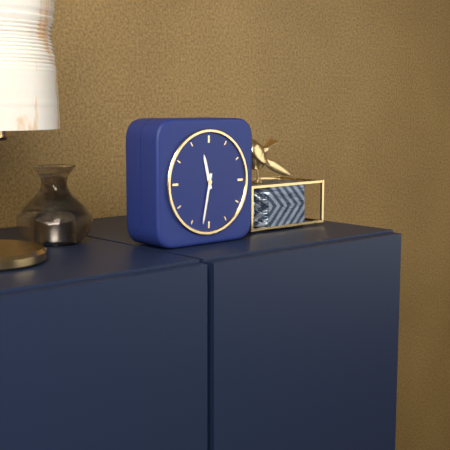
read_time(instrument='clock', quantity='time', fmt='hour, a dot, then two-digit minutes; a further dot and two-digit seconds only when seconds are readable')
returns 11.32
